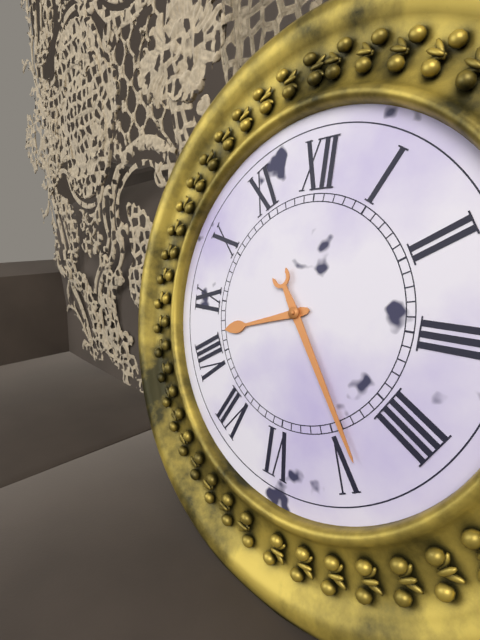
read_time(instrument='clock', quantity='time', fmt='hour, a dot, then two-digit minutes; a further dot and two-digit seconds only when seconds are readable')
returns 8.24
